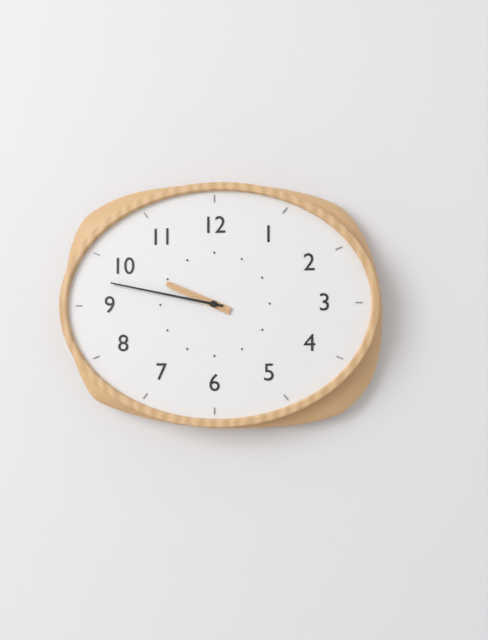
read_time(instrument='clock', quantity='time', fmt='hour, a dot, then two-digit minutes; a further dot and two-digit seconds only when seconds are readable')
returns 9.47
